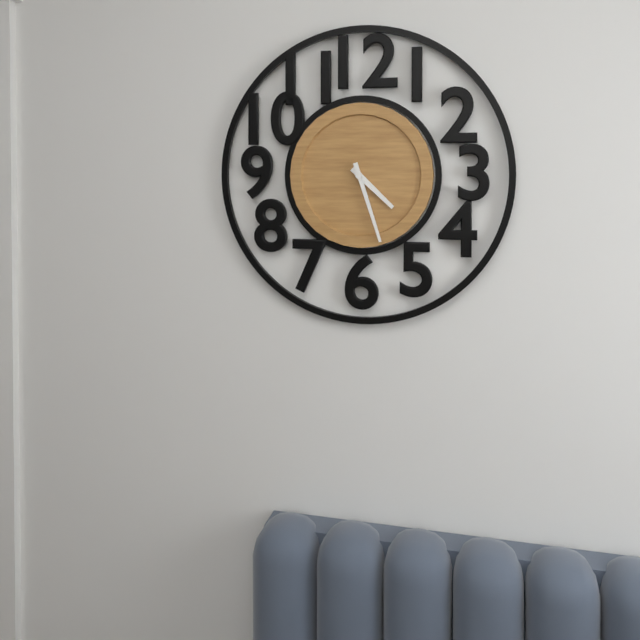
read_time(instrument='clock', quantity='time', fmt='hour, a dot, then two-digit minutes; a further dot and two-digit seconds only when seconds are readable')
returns 4.27
